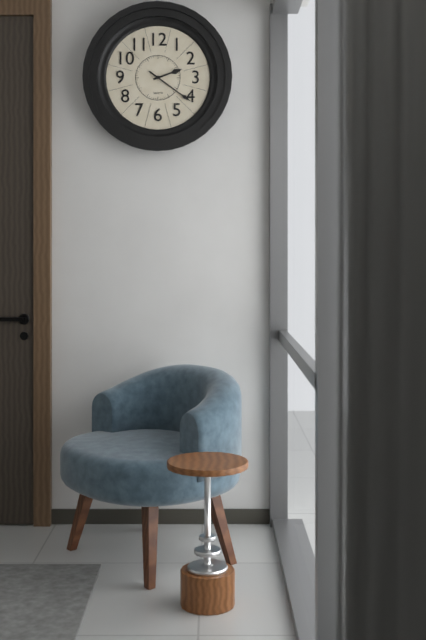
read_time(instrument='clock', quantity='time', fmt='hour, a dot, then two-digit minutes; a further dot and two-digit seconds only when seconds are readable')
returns 2.21
